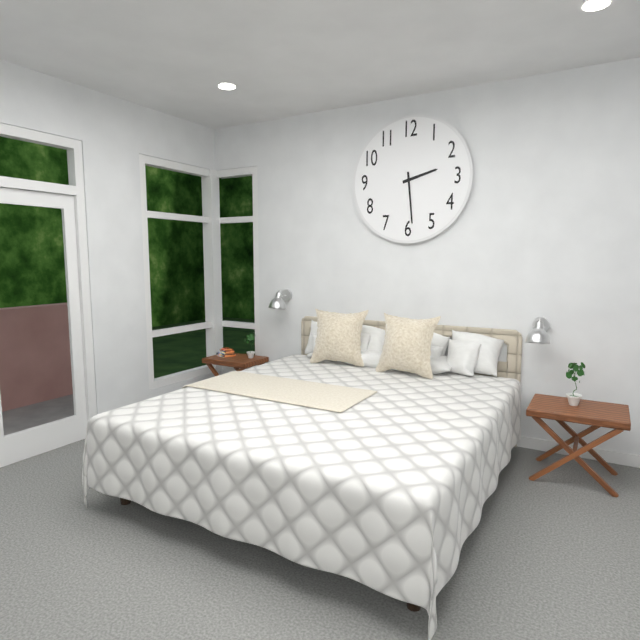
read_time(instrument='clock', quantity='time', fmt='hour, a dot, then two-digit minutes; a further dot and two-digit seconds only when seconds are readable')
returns 2.29
